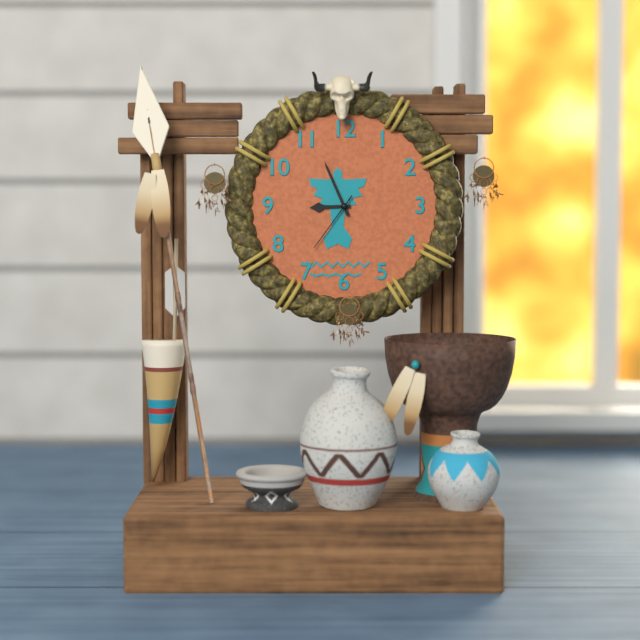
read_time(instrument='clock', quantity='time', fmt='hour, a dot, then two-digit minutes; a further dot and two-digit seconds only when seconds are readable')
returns 8.56.36
